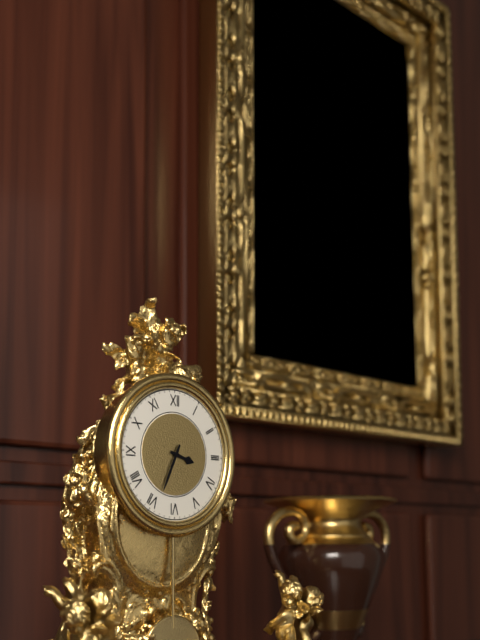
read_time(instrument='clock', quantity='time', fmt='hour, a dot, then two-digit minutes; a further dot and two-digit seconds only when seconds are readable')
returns 3.34
